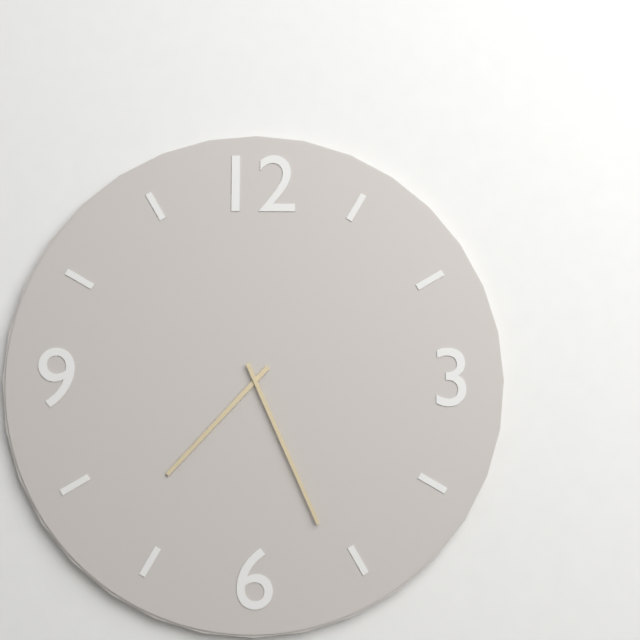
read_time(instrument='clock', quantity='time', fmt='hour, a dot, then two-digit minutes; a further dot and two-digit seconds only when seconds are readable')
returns 7.26
